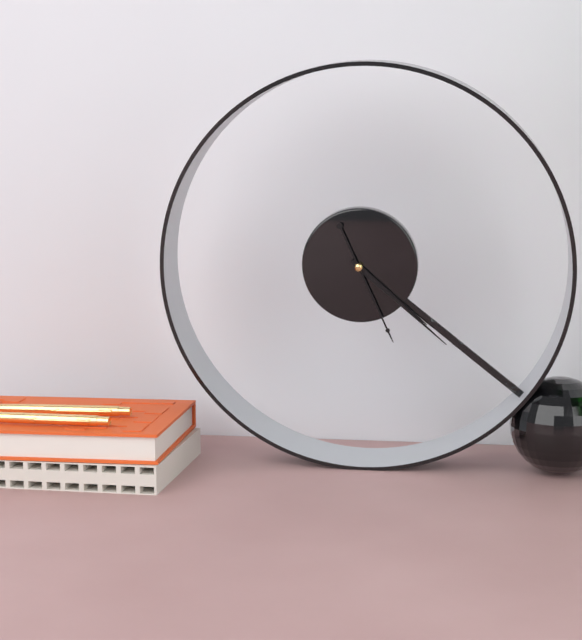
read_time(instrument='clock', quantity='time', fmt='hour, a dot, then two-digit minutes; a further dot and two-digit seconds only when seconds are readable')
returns 4.22.26
